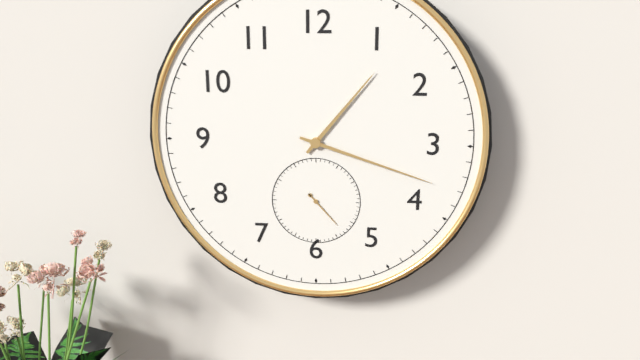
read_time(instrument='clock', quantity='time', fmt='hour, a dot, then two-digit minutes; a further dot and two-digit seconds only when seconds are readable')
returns 1.18
